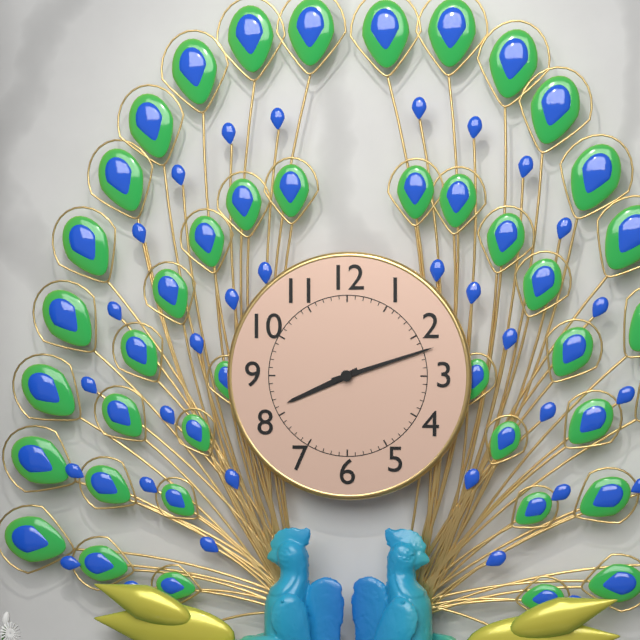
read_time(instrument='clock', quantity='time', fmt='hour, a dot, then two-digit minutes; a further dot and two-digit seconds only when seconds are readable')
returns 8.12
